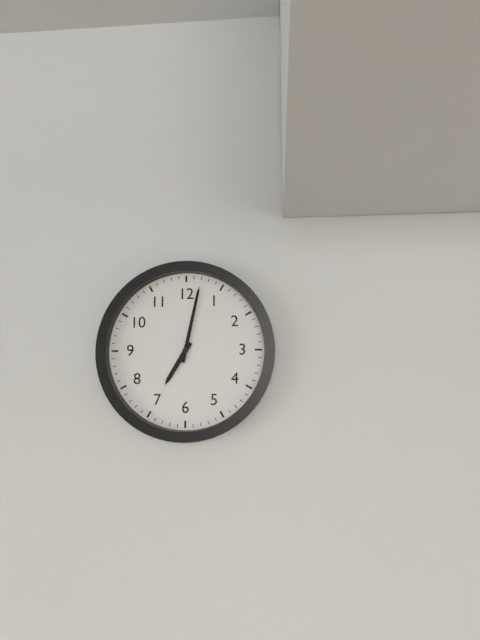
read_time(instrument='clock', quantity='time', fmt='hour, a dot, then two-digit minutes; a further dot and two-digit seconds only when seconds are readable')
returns 7.02
